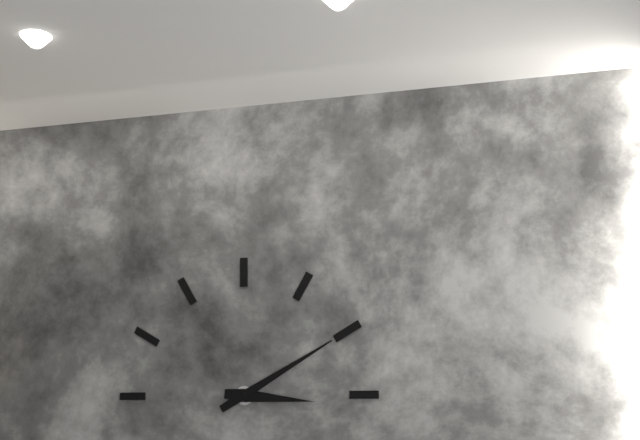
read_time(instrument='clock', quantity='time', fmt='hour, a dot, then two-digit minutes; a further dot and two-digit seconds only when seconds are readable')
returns 3.10
